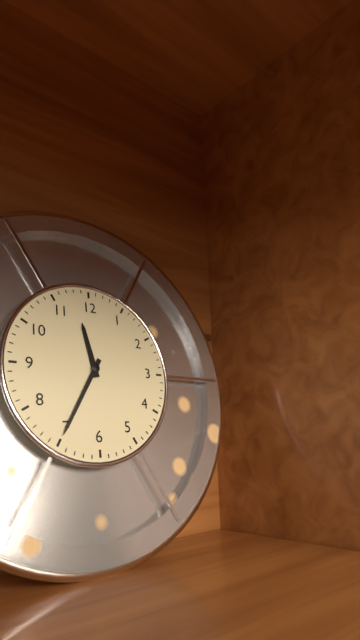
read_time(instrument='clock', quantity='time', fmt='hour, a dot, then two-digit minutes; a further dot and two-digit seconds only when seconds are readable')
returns 11.35
